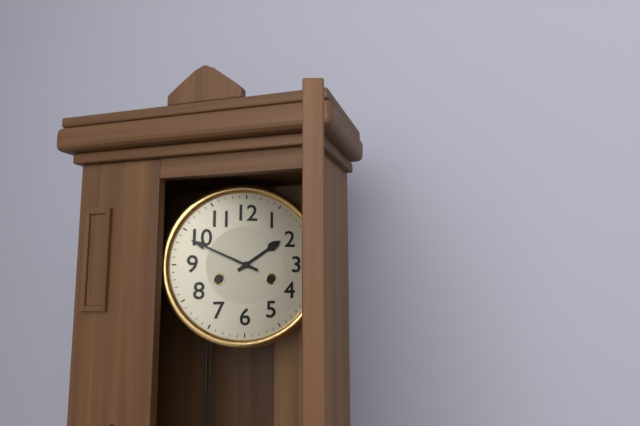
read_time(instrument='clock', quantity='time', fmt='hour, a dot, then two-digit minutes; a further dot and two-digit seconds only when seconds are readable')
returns 1.49
